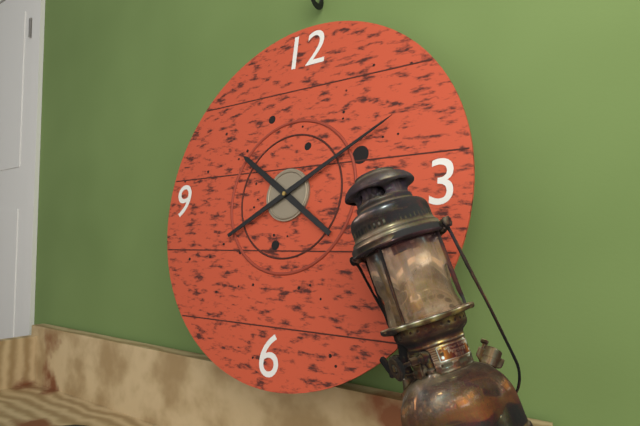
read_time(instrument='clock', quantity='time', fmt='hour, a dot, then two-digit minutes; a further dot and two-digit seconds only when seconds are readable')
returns 10.10
